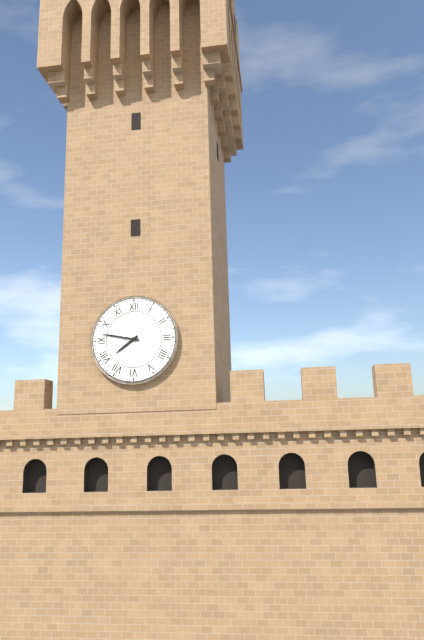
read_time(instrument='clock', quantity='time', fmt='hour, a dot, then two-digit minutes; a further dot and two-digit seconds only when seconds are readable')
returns 7.47
